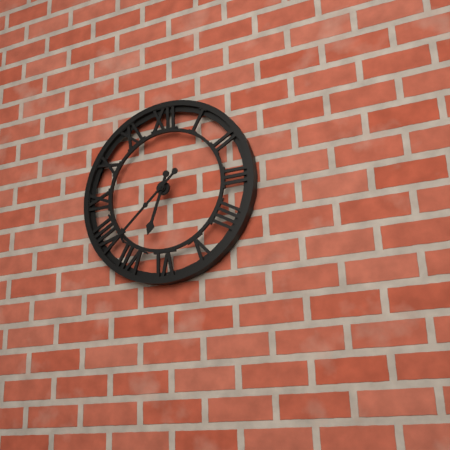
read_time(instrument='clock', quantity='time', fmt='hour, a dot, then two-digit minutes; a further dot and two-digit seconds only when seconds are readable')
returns 6.38
